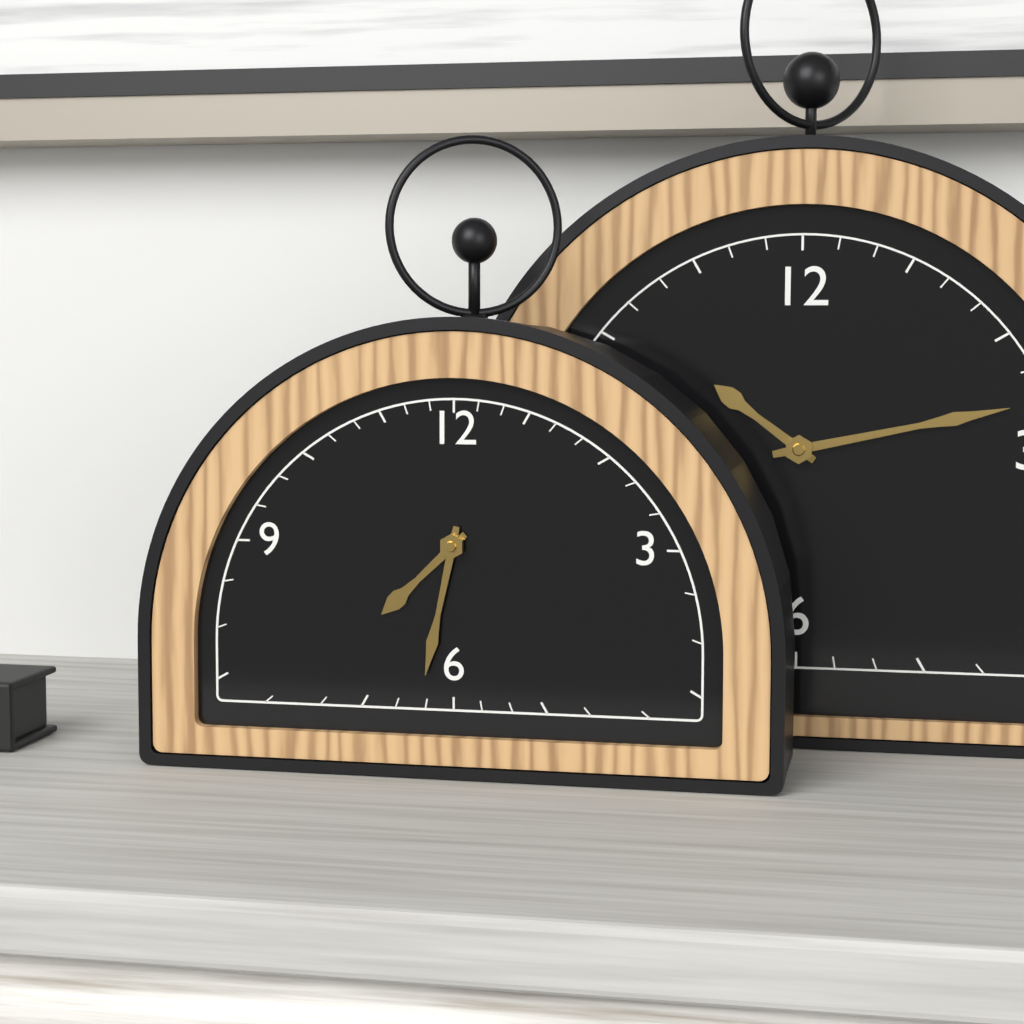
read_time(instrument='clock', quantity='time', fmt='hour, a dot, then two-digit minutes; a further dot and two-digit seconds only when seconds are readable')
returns 7.32
